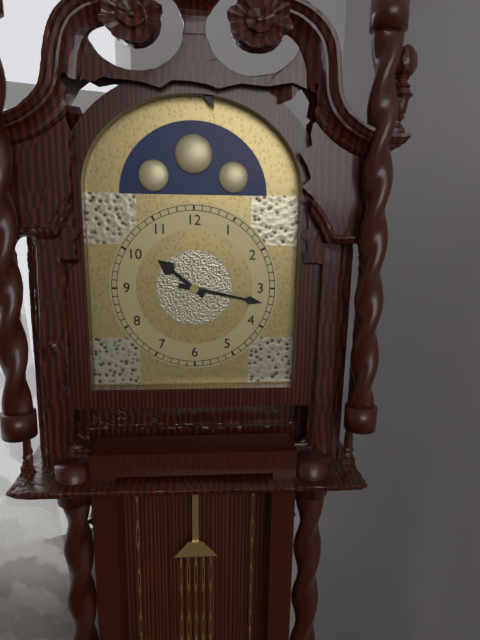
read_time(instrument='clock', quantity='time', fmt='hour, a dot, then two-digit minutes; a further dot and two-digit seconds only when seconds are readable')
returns 10.17
